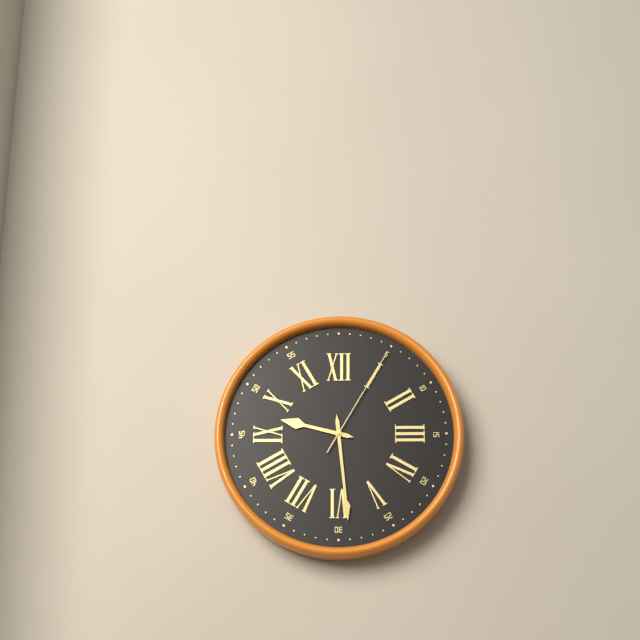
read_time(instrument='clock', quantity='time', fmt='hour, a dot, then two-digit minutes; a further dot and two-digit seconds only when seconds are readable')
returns 9.29.05
